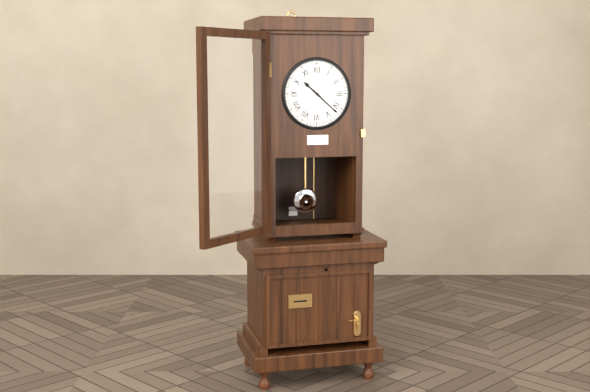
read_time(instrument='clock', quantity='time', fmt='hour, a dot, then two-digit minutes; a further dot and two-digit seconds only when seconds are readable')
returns 10.22
